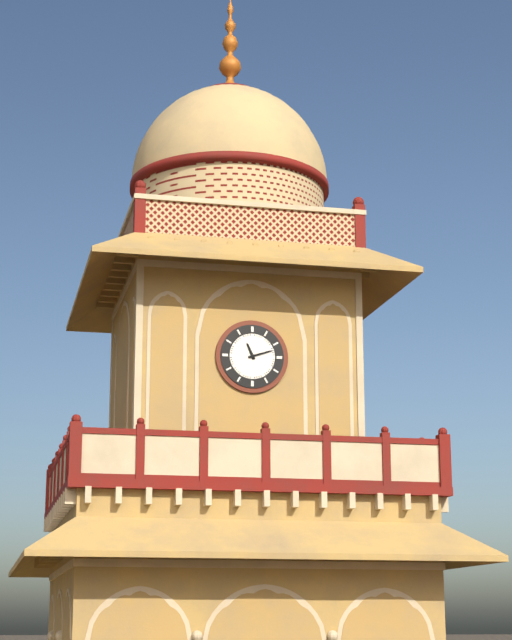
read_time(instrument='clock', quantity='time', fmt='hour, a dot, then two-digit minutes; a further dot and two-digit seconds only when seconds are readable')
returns 11.12
